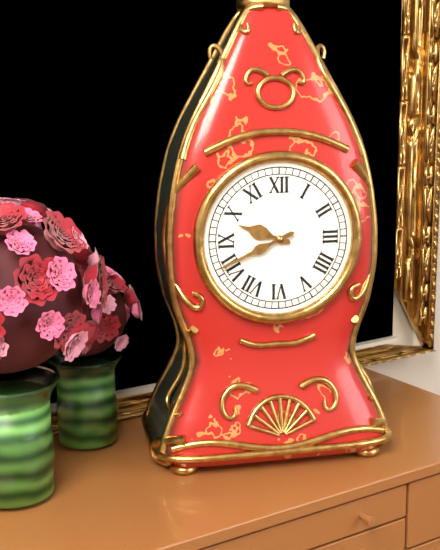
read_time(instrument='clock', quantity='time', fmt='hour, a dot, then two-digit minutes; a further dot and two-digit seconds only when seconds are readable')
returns 9.41
